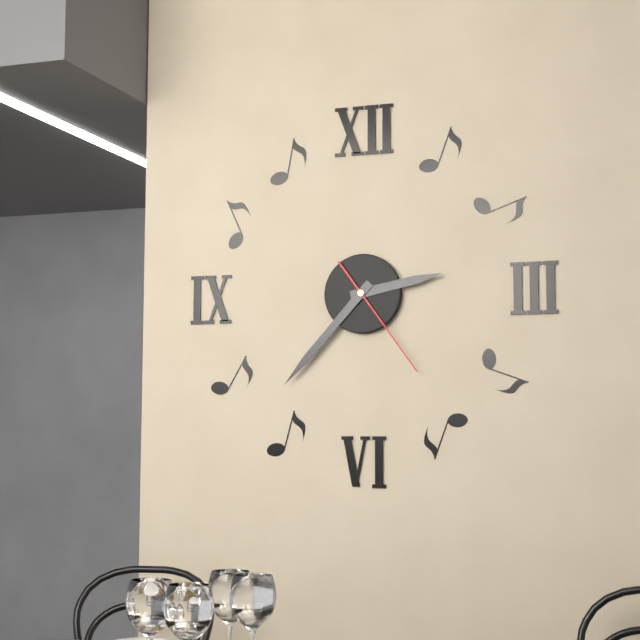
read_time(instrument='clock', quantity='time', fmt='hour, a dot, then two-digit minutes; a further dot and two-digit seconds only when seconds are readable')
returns 2.37.24
